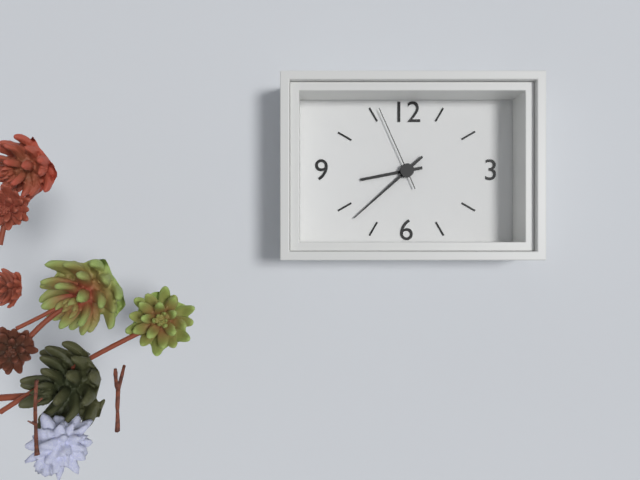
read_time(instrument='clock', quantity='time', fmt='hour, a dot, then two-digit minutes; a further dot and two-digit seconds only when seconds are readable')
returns 8.38.56
